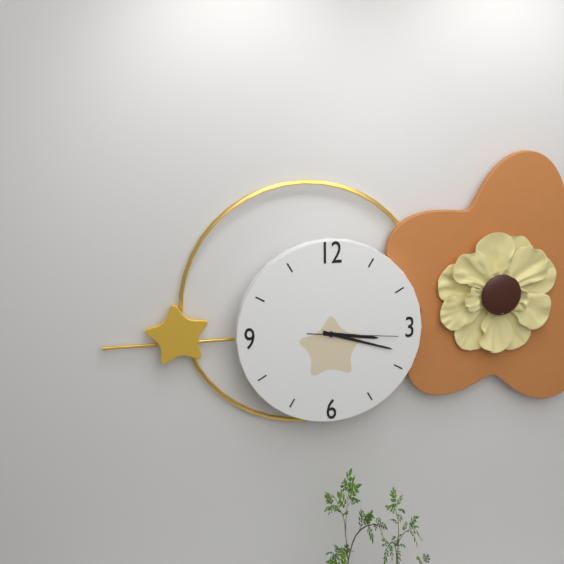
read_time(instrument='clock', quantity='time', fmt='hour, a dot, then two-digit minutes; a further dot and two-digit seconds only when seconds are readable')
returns 3.18.16
